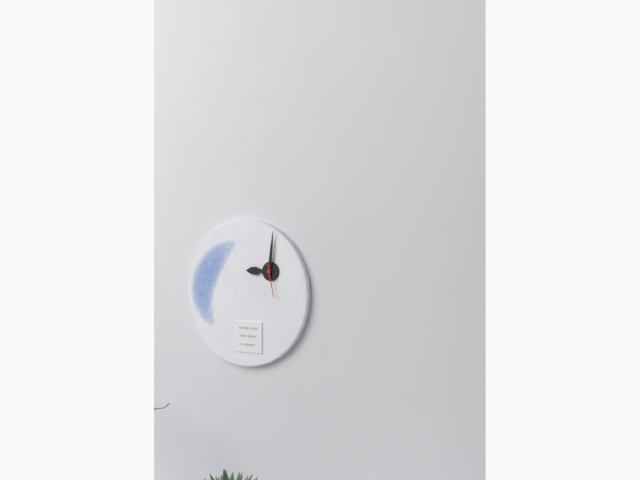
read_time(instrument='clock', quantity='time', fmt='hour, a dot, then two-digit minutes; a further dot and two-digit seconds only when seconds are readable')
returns 9.01
